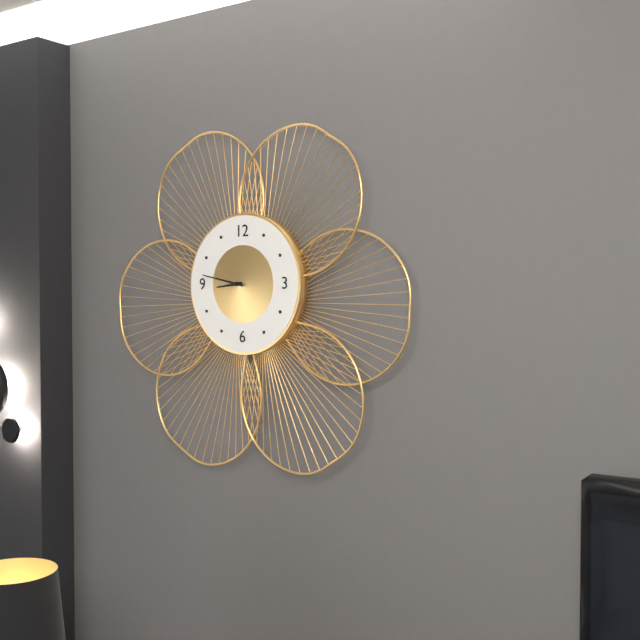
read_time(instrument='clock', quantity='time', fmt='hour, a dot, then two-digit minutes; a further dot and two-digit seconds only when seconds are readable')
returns 8.47
